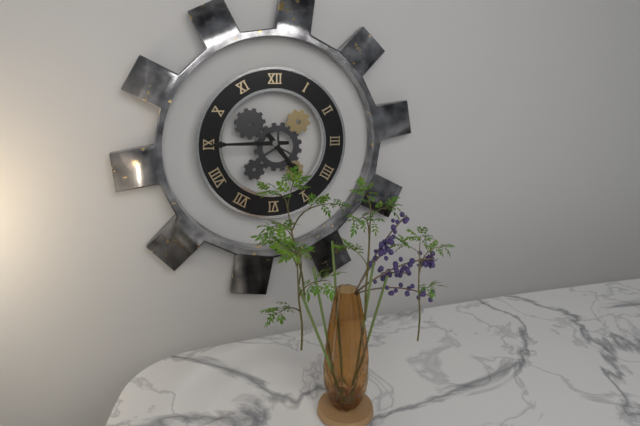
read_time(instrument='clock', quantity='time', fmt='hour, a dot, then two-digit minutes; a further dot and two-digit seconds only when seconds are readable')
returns 4.45
